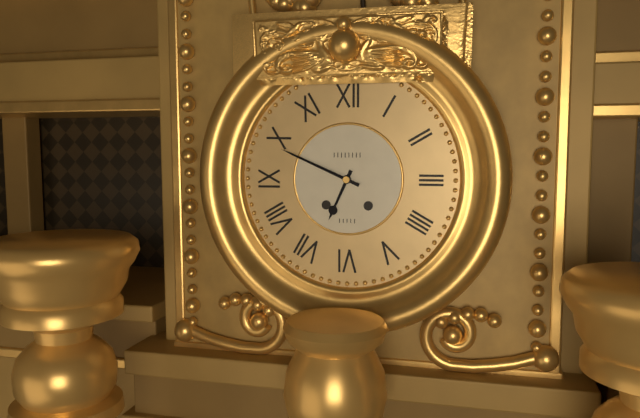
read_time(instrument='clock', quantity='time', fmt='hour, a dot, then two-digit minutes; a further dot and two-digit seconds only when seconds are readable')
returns 6.49
